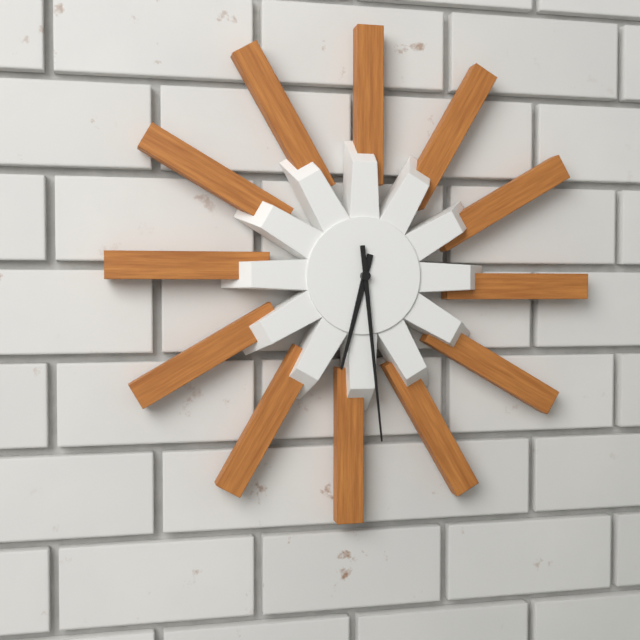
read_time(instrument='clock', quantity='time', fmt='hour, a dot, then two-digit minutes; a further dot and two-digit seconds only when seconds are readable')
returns 6.29
